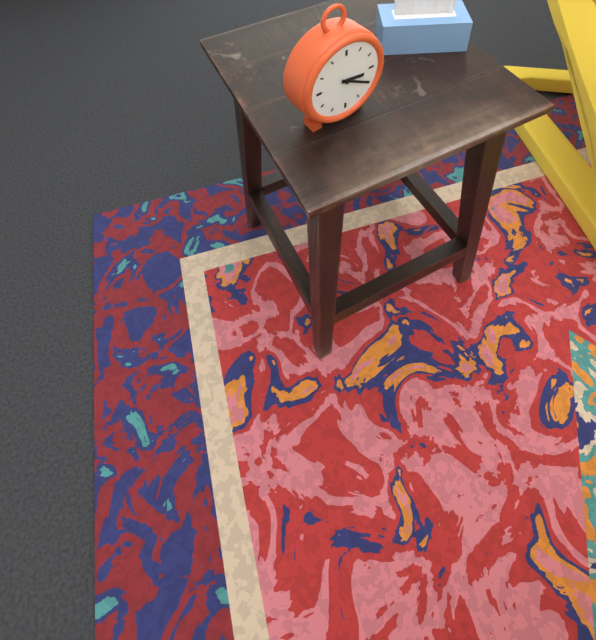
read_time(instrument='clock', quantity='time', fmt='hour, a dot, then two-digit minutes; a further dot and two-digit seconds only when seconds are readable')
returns 3.20
